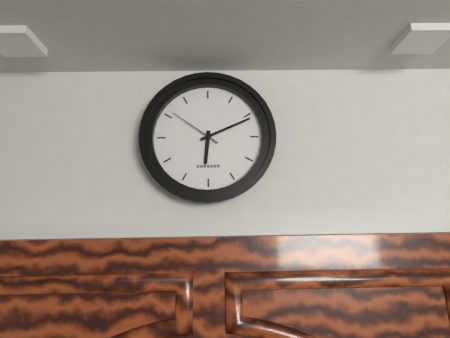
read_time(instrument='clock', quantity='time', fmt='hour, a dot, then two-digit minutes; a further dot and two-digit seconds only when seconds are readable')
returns 6.11.51
